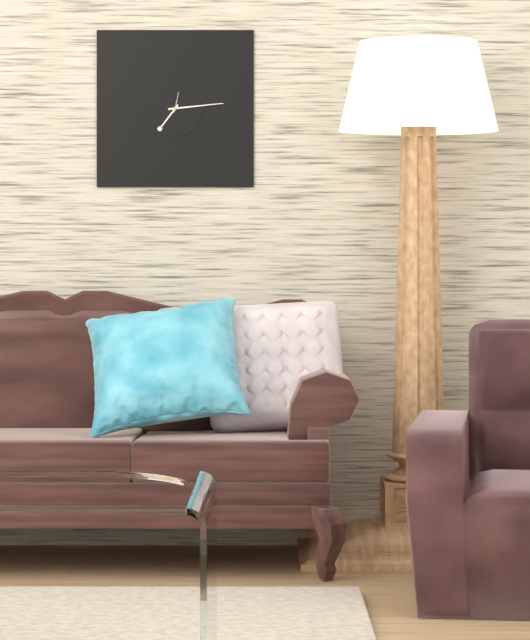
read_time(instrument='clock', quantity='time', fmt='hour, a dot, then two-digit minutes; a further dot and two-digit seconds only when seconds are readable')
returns 7.14
